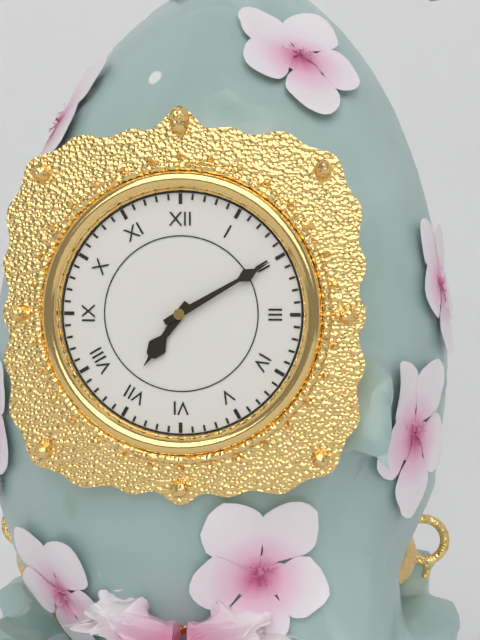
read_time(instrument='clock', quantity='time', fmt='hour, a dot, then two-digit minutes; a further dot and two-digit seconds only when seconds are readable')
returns 7.10
